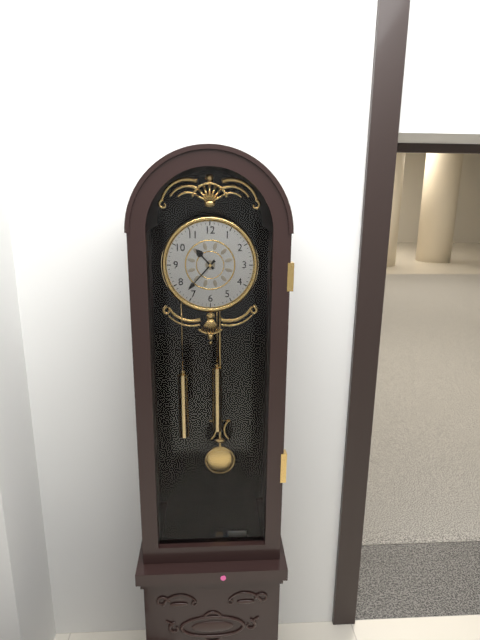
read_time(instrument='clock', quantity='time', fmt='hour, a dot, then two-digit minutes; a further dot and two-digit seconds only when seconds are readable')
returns 10.37
